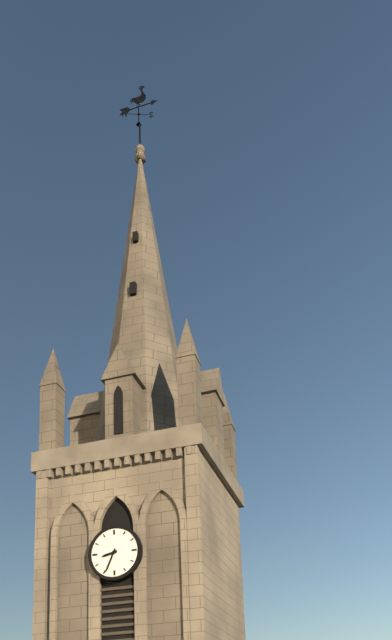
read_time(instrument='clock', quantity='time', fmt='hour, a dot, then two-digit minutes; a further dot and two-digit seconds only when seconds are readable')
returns 8.34
